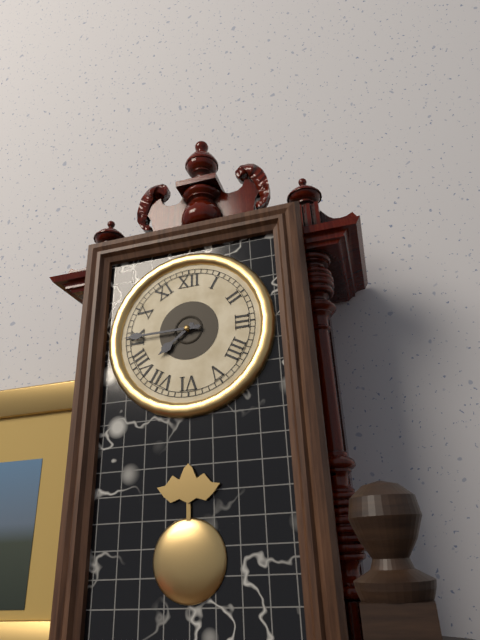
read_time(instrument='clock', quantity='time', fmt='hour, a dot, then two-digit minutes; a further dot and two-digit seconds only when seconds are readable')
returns 7.45
